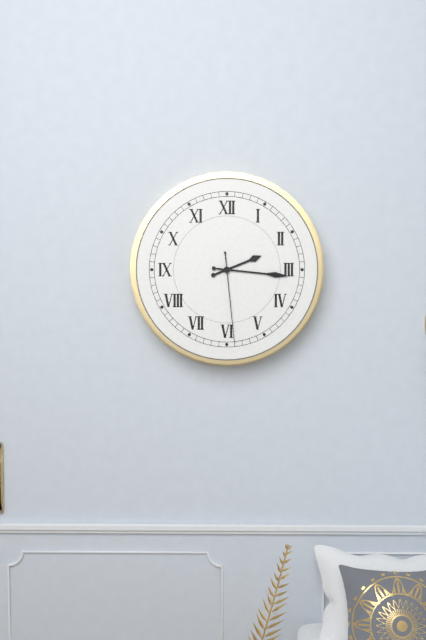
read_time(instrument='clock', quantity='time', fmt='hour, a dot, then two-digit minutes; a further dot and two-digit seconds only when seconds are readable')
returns 2.16.29
